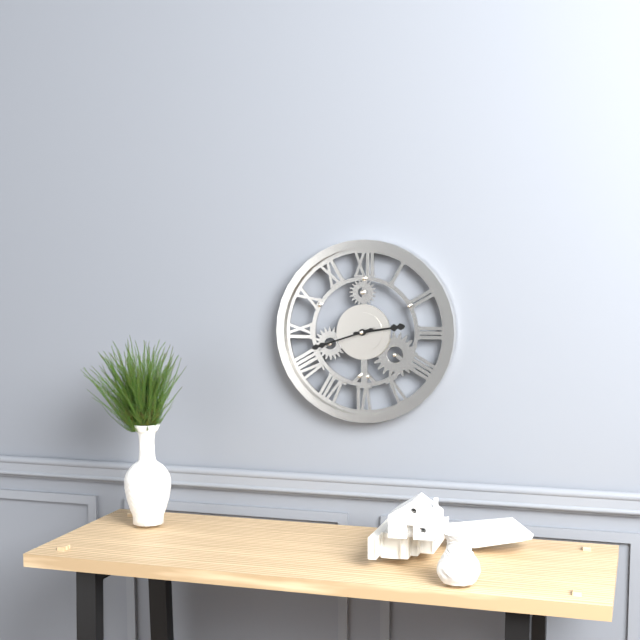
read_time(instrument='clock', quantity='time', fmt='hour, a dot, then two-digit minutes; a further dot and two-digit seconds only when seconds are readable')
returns 2.42
